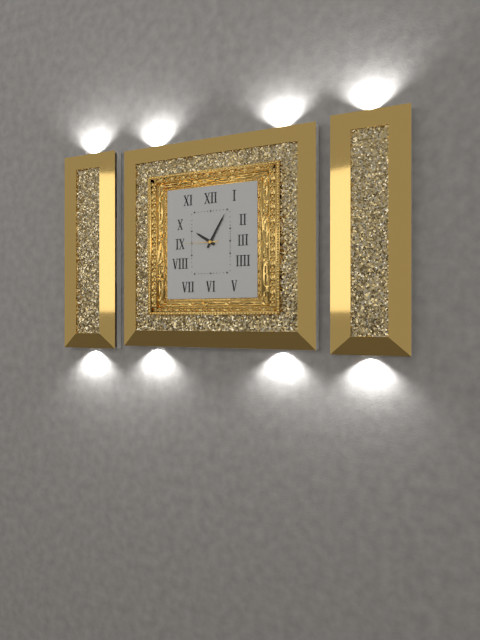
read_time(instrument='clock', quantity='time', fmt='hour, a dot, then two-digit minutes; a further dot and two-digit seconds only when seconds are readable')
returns 10.05
